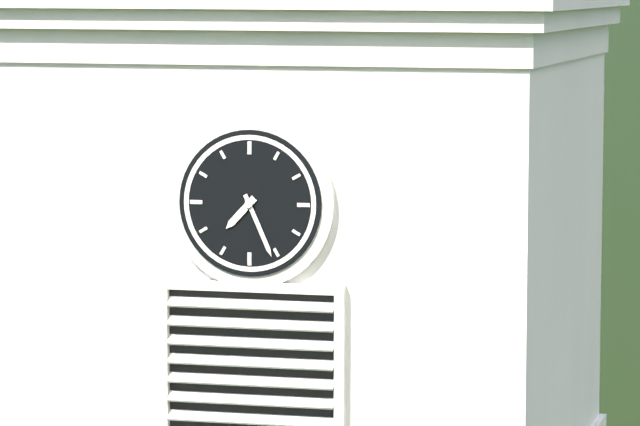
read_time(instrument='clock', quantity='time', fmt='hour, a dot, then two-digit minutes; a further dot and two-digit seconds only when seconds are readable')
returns 7.26
